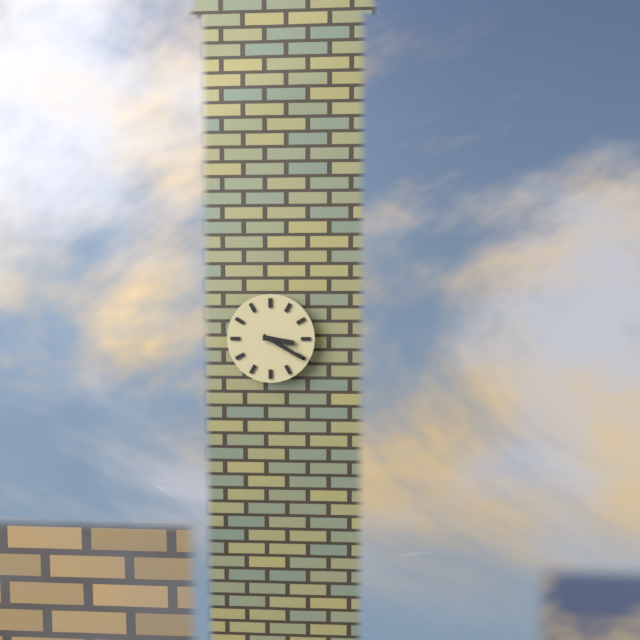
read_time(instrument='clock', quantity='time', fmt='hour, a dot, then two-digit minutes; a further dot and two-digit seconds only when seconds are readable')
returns 3.20
